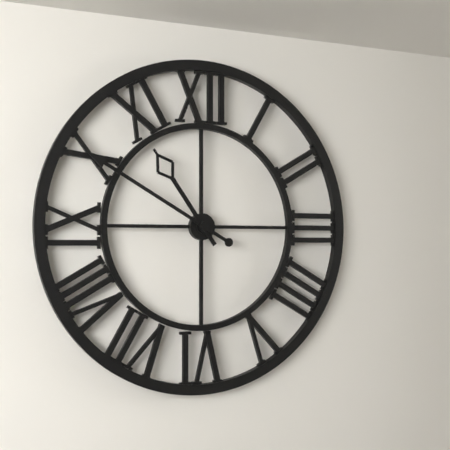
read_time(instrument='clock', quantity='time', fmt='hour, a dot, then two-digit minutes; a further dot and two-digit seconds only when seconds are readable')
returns 10.50
